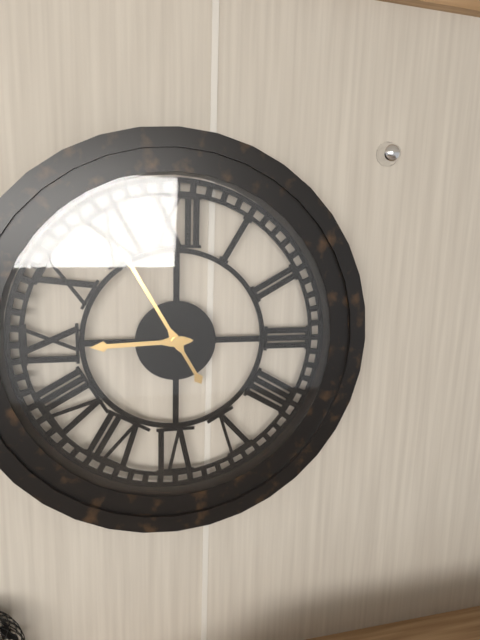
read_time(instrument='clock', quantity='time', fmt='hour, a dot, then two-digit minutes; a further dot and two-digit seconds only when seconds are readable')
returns 8.55
